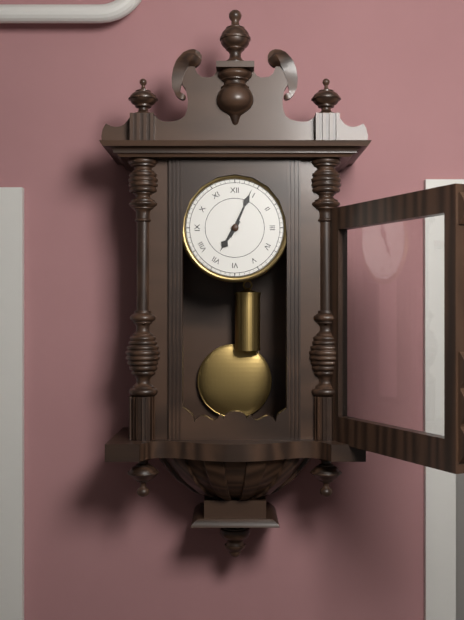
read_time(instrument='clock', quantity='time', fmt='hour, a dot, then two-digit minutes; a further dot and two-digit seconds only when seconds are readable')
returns 7.04
